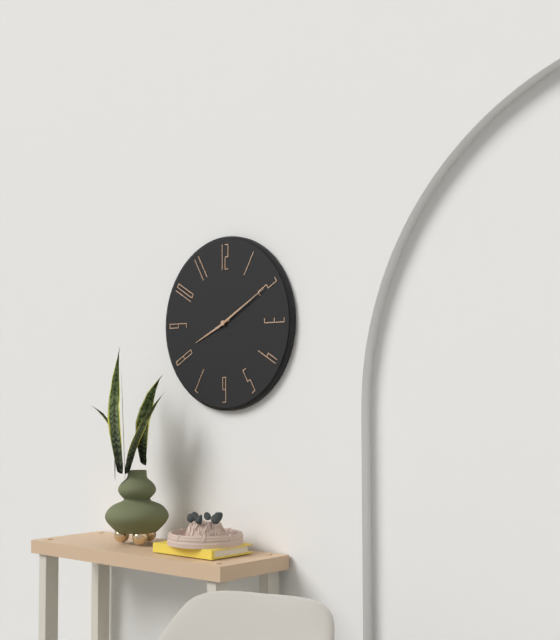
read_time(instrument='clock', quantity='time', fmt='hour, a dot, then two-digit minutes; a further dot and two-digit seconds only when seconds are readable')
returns 8.10
